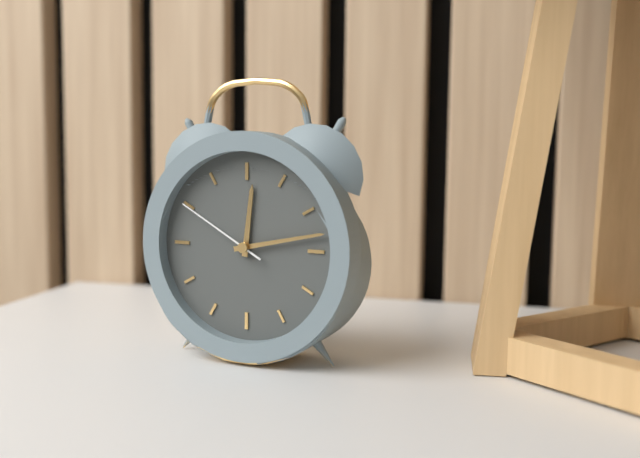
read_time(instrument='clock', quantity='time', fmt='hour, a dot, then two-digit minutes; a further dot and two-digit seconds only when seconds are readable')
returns 12.13.50
